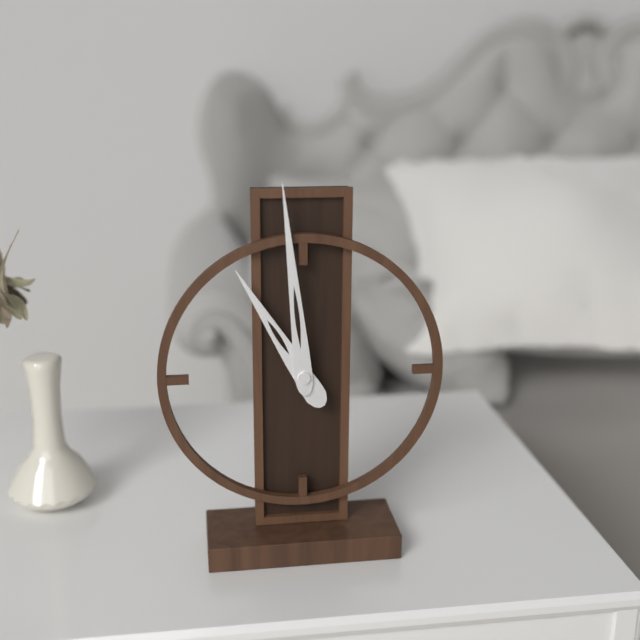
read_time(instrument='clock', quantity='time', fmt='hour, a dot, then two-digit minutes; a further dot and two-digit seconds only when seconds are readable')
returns 10.59
